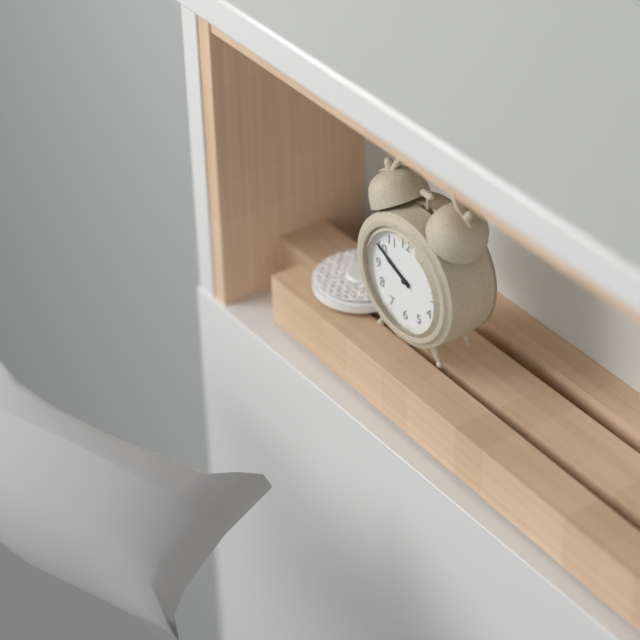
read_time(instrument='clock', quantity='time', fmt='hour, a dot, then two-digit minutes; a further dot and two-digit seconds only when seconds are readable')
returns 9.50
